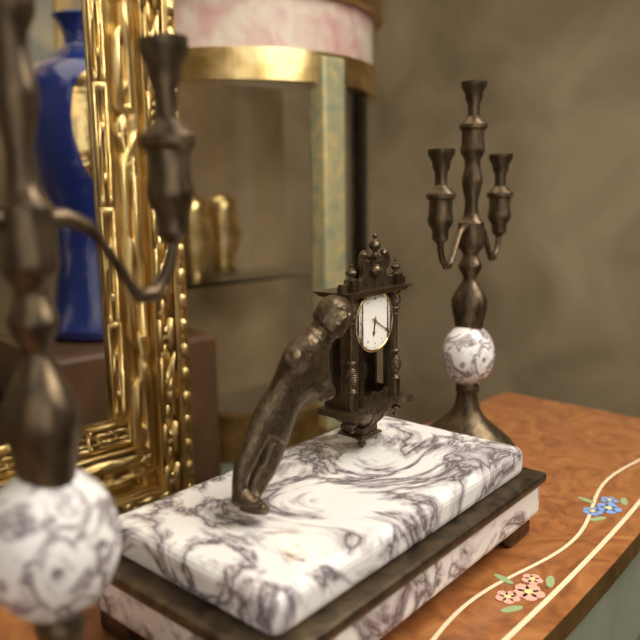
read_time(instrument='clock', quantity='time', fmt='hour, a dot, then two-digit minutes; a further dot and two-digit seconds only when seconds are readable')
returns 6.20
